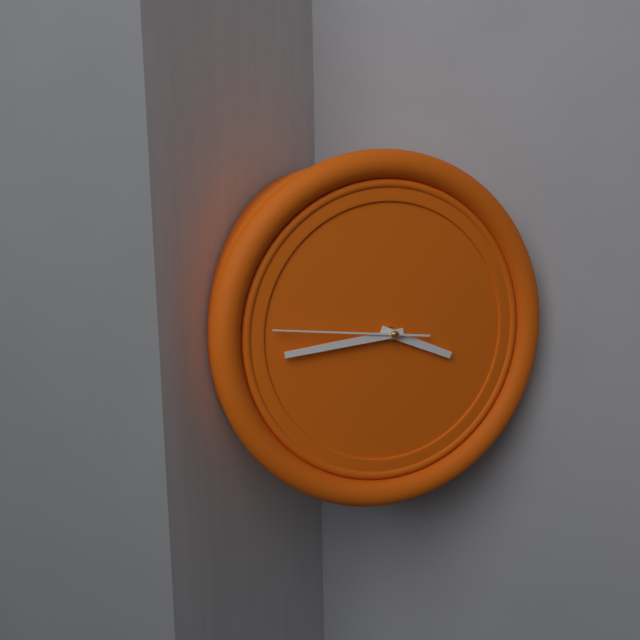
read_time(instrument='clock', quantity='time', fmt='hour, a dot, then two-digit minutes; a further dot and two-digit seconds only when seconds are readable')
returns 3.44.46
